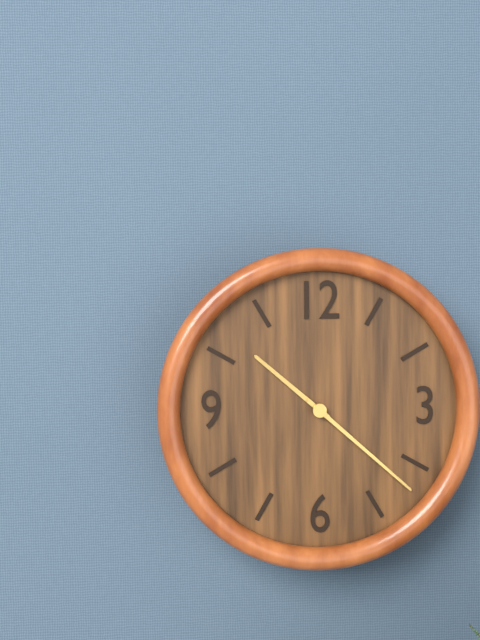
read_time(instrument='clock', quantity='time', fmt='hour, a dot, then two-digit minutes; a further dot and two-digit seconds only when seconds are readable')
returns 10.22
